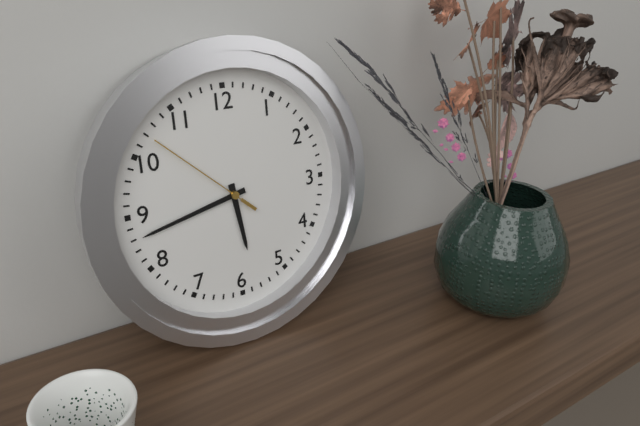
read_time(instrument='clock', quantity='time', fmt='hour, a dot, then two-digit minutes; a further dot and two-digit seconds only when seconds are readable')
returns 5.43.52
